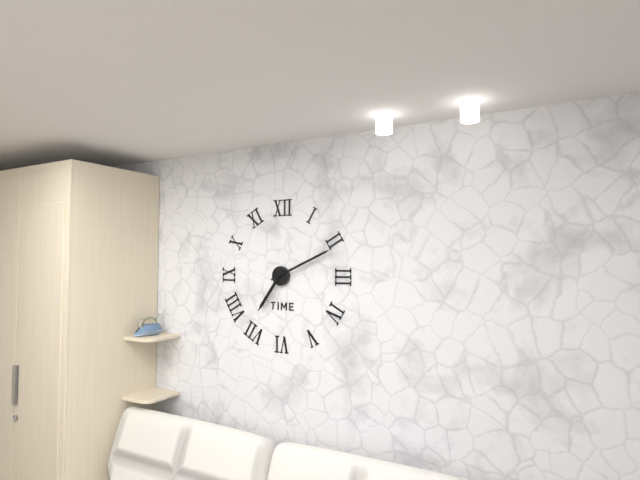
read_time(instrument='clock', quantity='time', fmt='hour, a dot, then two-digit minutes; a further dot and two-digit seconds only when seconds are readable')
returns 7.11
